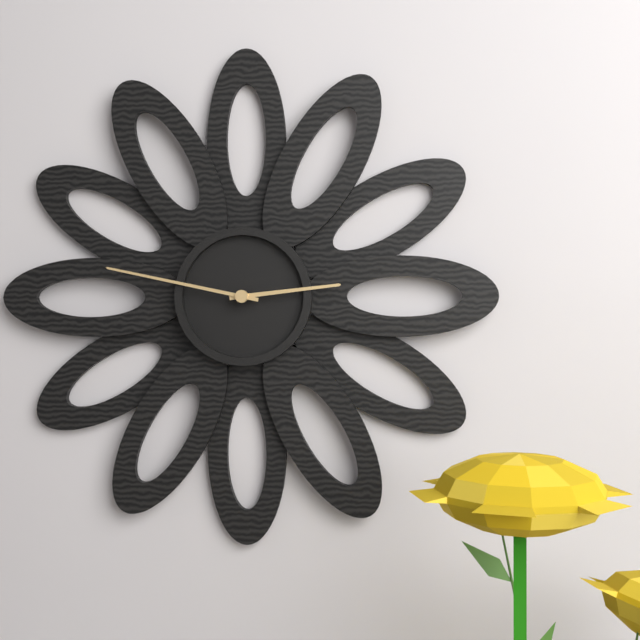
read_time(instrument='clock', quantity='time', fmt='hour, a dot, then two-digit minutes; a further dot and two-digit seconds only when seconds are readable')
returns 2.47
